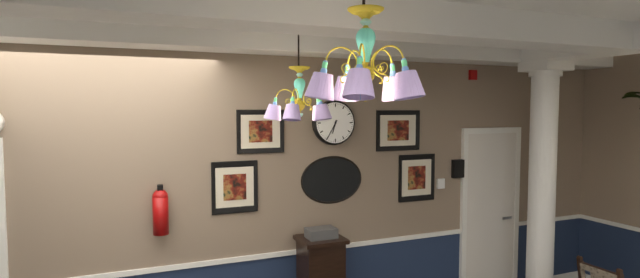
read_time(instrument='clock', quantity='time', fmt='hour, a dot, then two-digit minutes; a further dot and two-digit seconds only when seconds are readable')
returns 6.35
